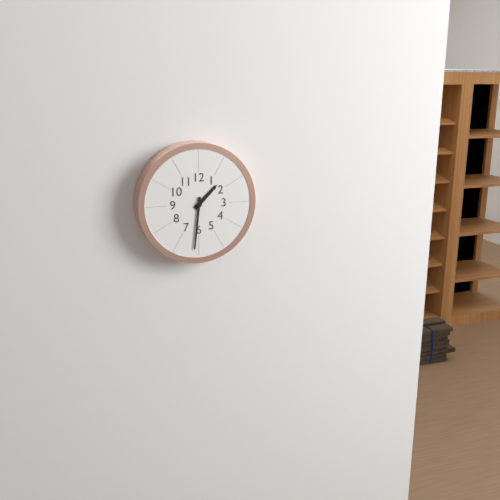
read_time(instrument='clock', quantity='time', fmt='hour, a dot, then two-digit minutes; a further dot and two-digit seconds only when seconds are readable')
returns 1.31
